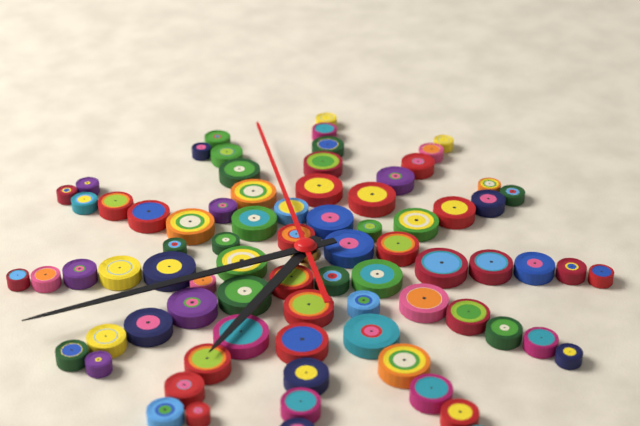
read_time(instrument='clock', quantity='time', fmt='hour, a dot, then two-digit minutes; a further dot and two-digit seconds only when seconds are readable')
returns 7.45.02
